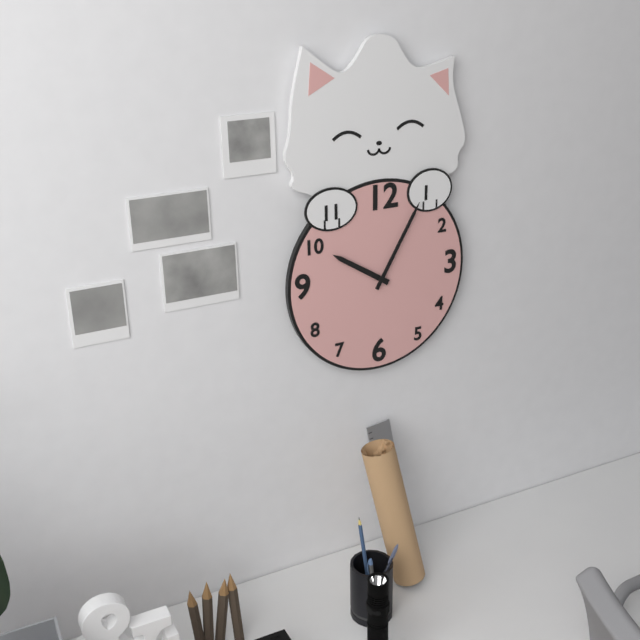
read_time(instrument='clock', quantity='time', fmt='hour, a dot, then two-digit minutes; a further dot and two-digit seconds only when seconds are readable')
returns 10.05
